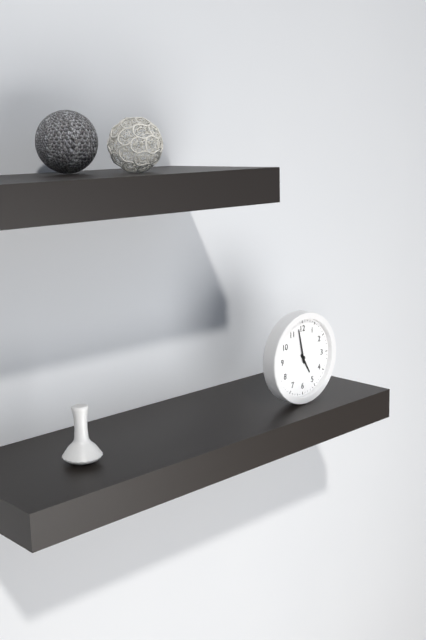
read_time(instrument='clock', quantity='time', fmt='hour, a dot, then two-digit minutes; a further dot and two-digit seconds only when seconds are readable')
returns 4.58
